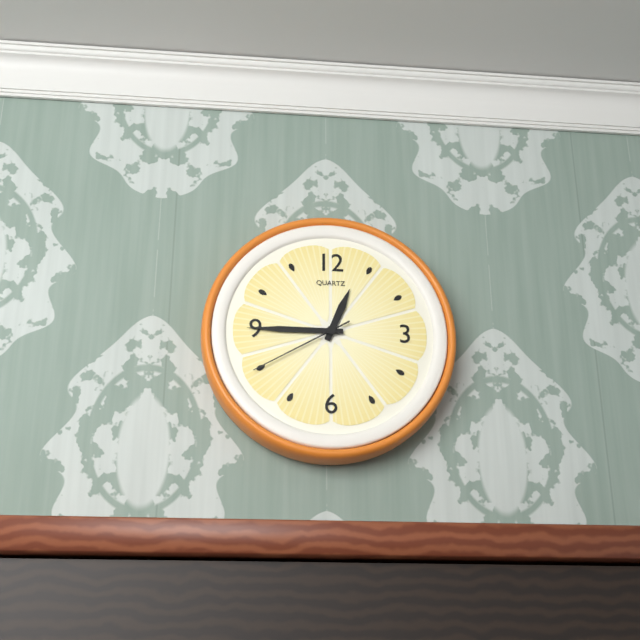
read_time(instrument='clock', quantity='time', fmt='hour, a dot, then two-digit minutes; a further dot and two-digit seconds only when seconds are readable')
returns 12.45.40
